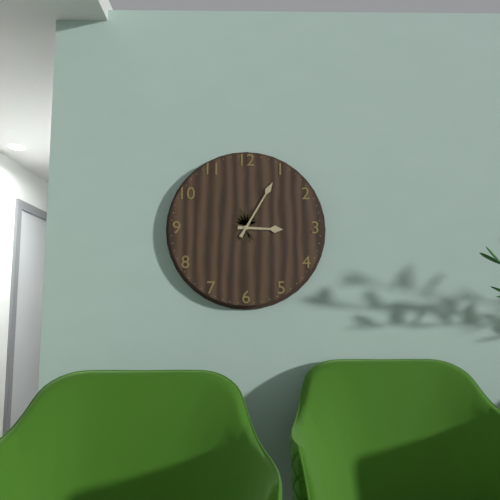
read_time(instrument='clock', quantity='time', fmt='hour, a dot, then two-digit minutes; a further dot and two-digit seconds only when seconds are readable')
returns 3.05
